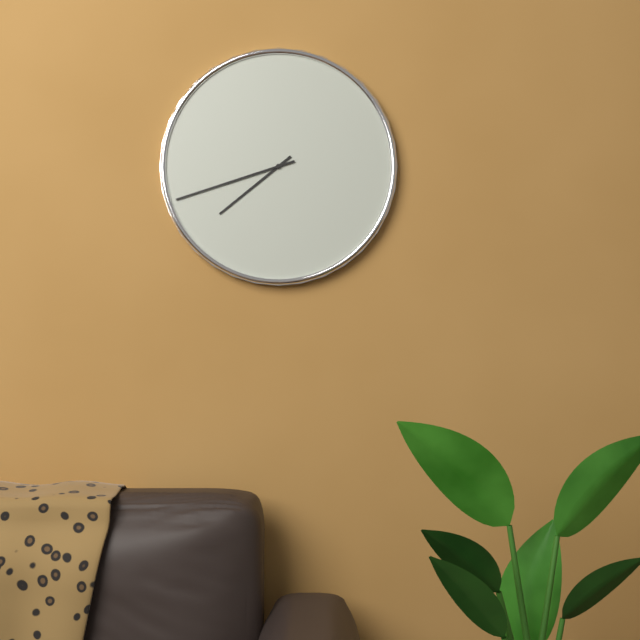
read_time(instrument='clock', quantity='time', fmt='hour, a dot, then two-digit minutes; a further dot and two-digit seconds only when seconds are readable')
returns 7.42
